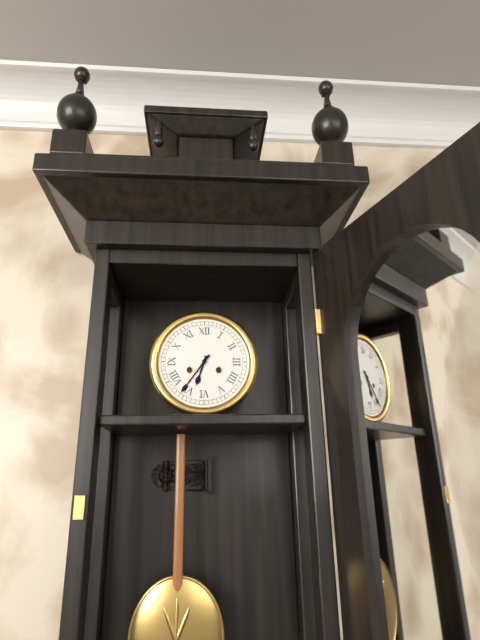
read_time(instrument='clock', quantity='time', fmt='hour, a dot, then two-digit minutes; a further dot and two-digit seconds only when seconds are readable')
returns 6.36
